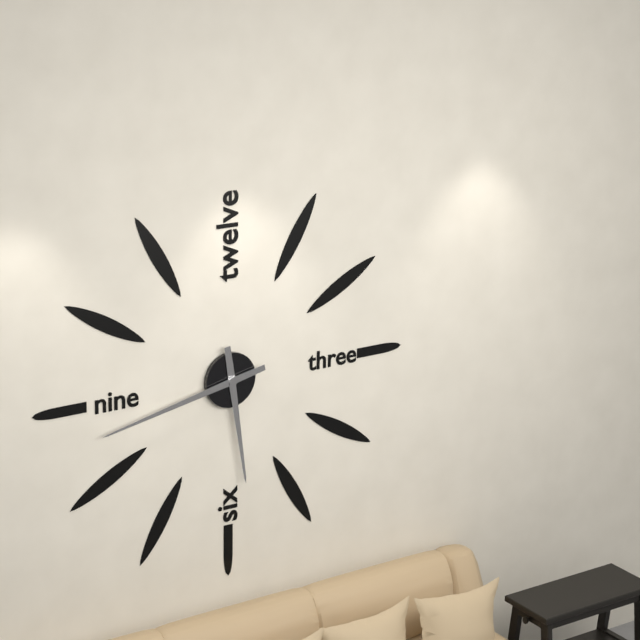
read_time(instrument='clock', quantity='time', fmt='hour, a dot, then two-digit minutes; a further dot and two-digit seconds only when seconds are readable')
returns 5.43
